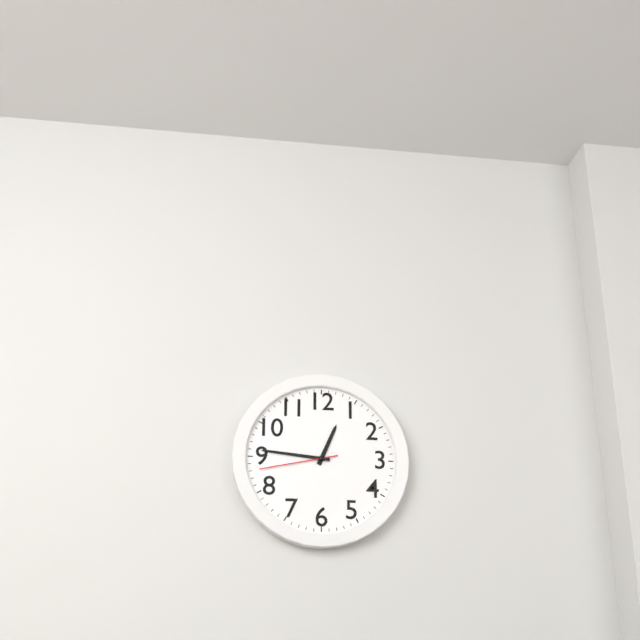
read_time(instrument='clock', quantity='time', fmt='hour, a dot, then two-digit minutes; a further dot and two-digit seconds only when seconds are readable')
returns 12.46.43
